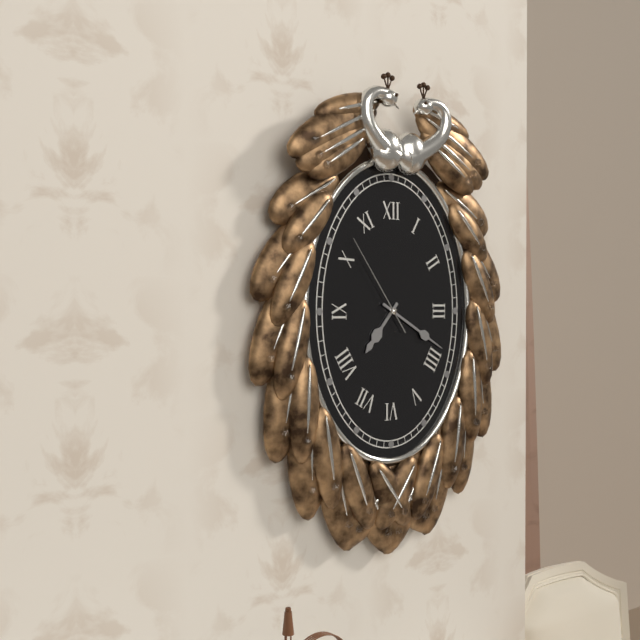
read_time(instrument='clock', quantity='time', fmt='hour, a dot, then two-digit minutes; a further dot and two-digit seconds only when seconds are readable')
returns 7.20.54
